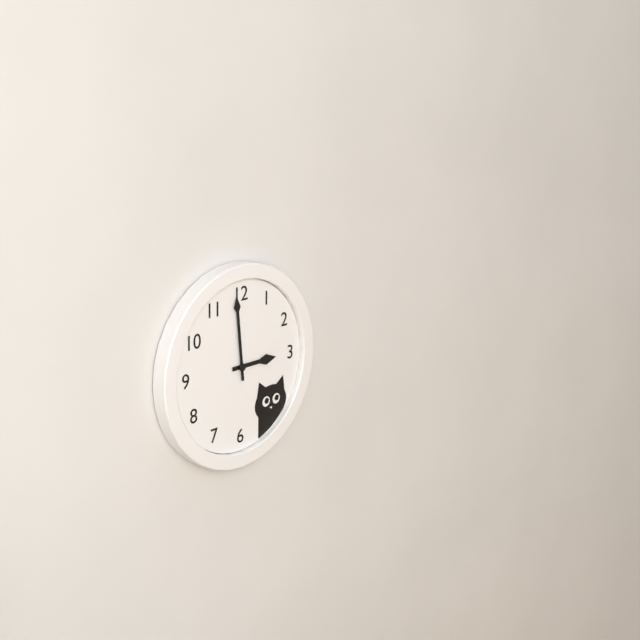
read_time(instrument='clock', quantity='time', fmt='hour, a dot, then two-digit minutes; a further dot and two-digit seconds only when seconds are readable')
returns 2.59
